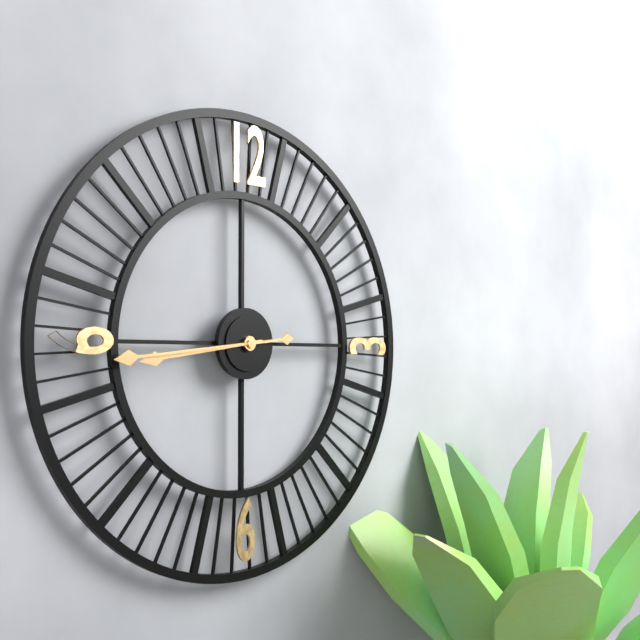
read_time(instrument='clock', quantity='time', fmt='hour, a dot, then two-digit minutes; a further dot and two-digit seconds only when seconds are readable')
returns 8.44
